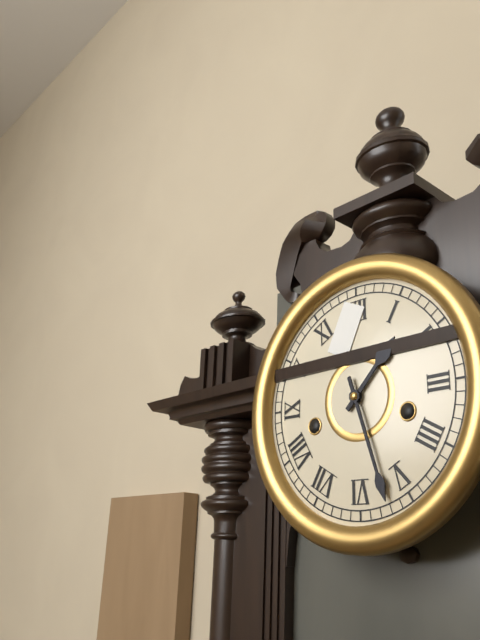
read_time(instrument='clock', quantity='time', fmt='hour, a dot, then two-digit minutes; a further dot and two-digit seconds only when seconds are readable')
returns 1.27
